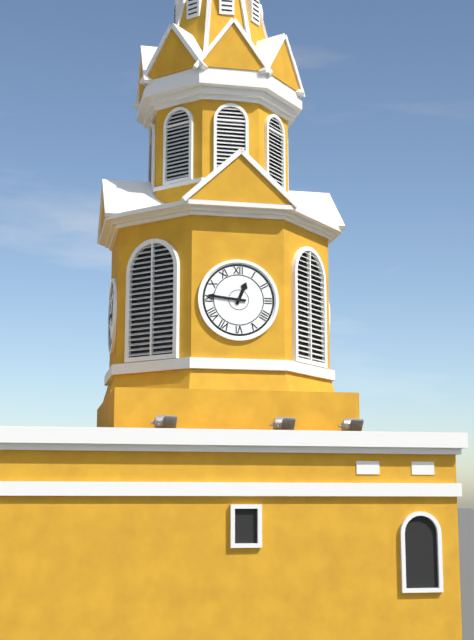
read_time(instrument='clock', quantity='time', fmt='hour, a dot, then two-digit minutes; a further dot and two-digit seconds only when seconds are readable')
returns 12.46
